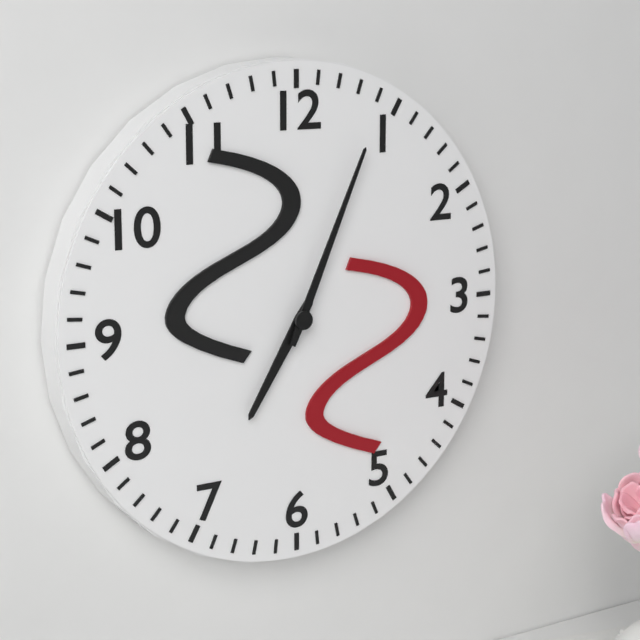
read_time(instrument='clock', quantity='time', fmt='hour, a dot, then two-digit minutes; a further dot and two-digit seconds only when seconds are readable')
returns 7.04
